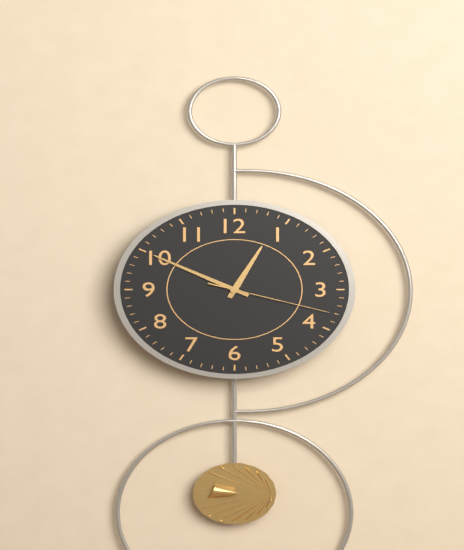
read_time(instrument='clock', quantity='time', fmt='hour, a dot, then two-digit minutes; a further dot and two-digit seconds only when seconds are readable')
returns 12.50.18
